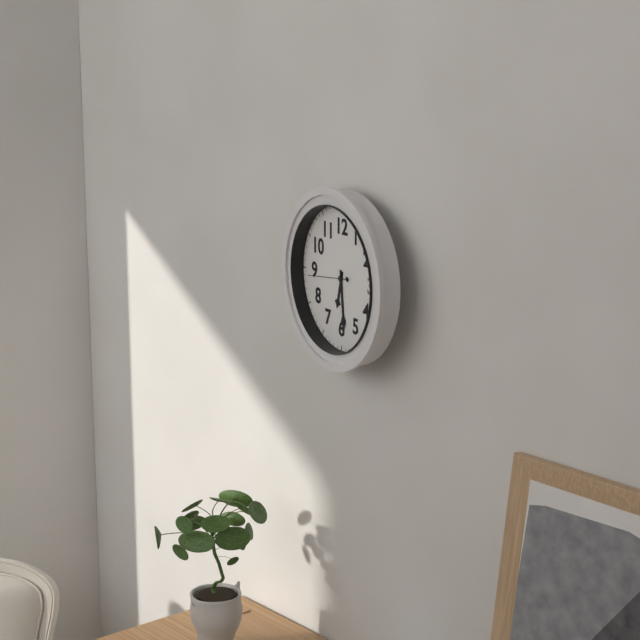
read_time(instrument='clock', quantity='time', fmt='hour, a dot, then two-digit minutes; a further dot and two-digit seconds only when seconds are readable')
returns 6.29
